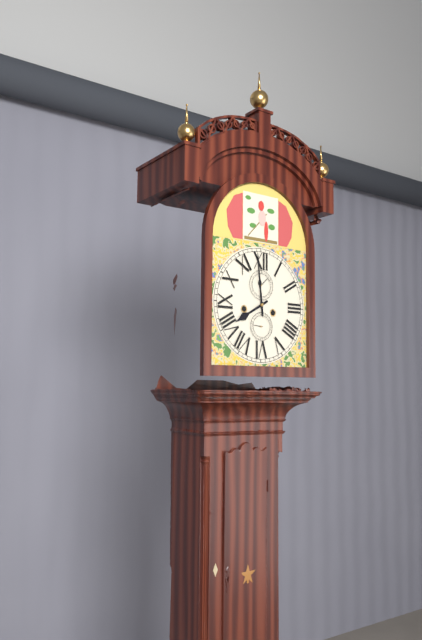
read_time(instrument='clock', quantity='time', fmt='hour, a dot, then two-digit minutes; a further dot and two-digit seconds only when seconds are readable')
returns 7.59
